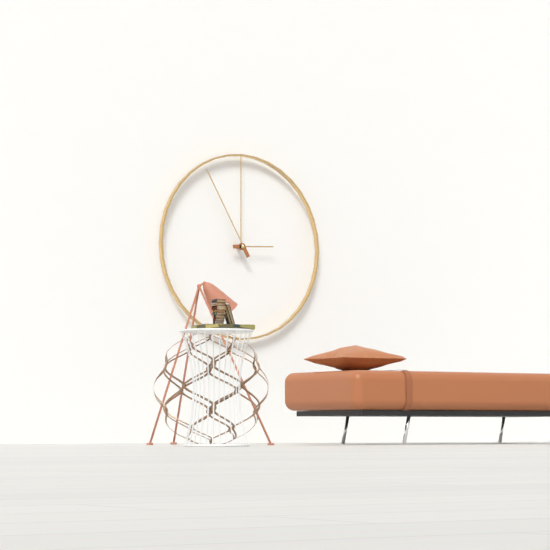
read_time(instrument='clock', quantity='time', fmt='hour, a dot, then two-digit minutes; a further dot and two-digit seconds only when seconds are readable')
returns 2.55
